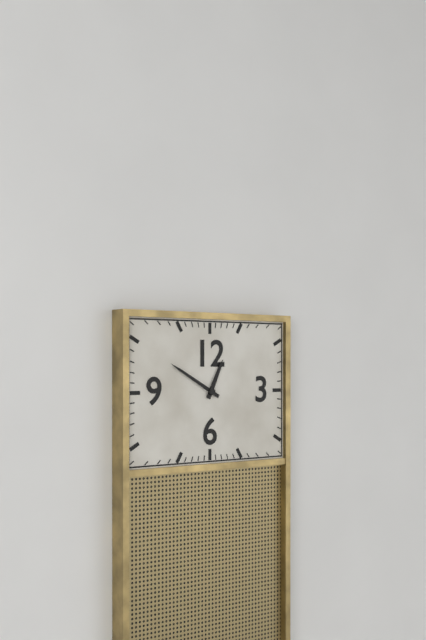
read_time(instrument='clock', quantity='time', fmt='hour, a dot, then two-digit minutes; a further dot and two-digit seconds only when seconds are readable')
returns 12.50
